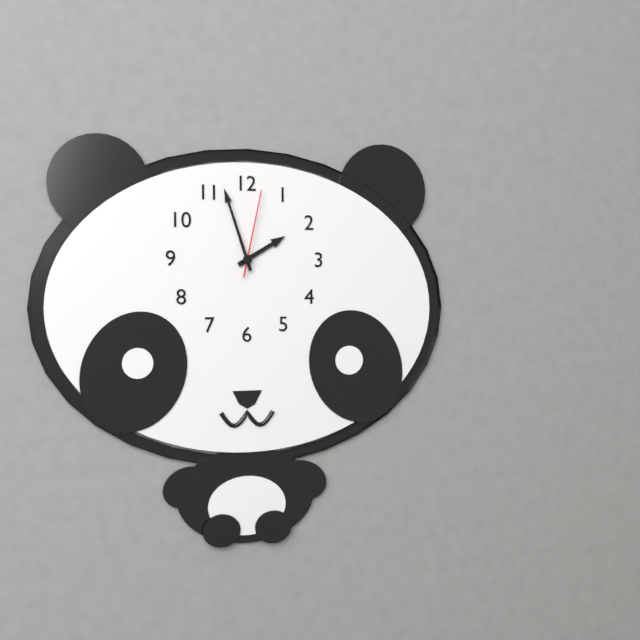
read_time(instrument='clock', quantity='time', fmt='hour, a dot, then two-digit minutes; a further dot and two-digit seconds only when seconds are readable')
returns 1.57.02
